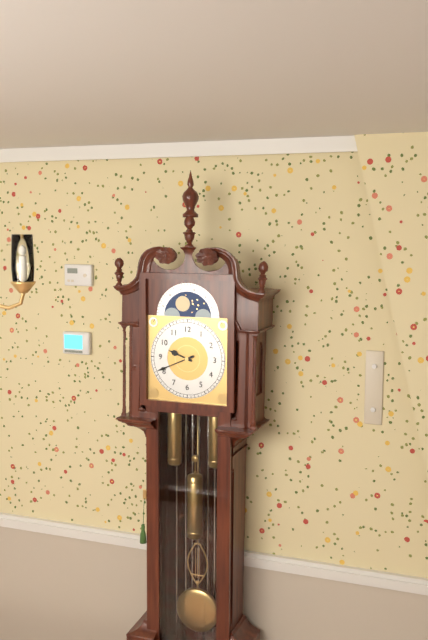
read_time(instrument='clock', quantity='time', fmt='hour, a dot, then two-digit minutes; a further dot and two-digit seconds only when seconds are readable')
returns 9.41
